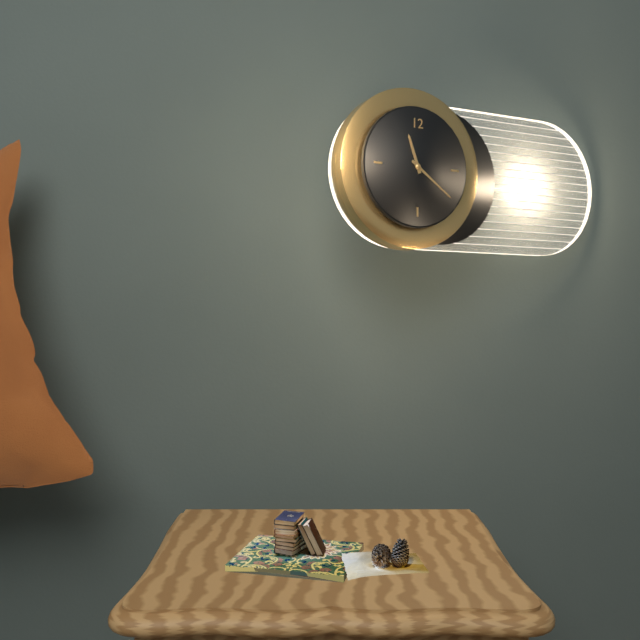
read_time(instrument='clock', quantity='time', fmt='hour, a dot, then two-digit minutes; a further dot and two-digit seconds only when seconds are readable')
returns 11.21
